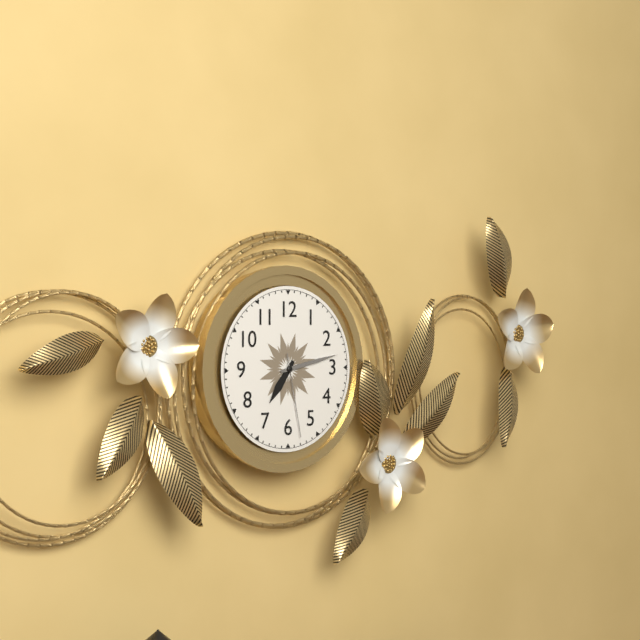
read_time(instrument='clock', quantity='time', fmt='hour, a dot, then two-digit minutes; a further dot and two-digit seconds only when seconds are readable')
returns 7.13.28
